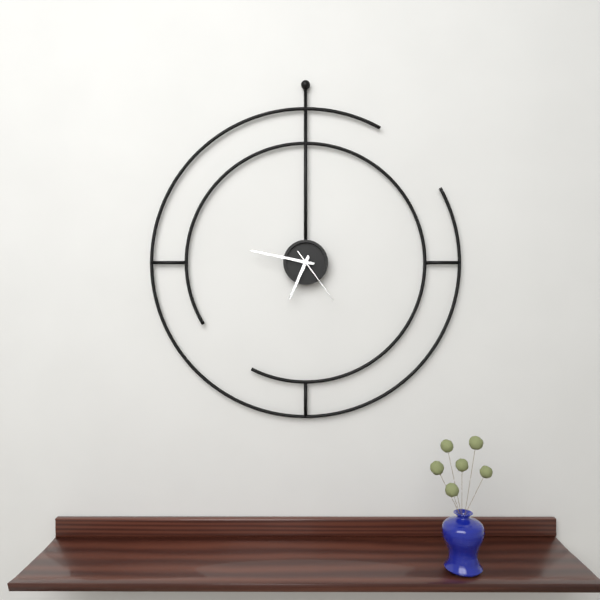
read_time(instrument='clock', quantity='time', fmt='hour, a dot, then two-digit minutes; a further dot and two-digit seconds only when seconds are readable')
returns 6.47.24
